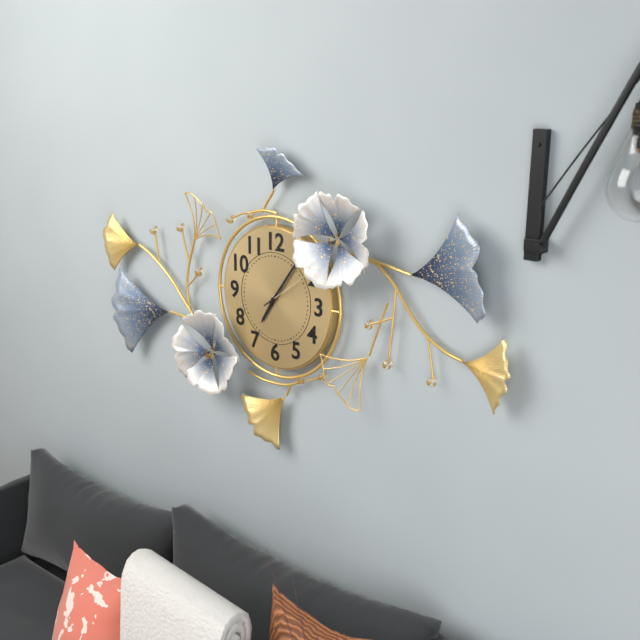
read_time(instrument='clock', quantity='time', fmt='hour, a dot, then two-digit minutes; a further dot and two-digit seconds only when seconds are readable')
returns 7.06.09
